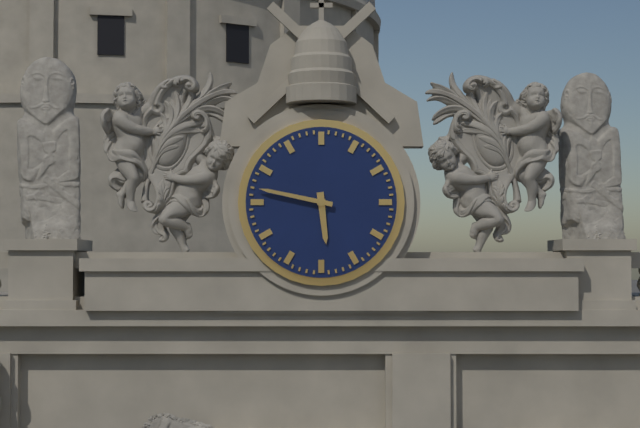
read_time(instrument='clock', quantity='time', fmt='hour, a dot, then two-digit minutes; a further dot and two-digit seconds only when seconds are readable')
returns 5.47
